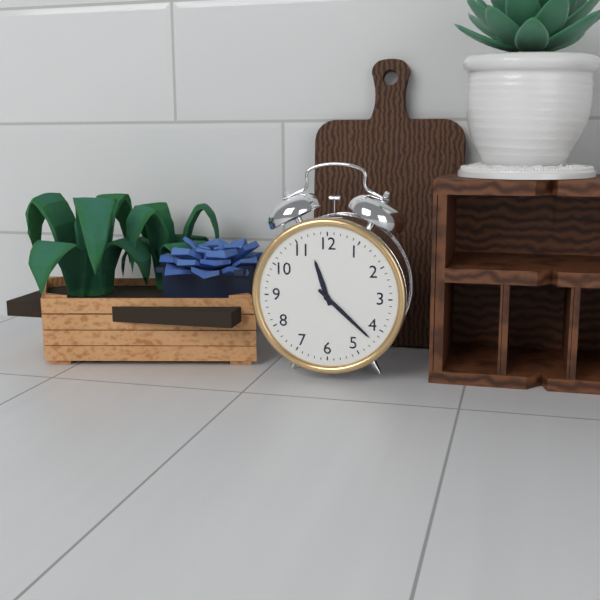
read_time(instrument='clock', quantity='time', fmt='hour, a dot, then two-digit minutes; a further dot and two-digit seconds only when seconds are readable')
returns 11.22
